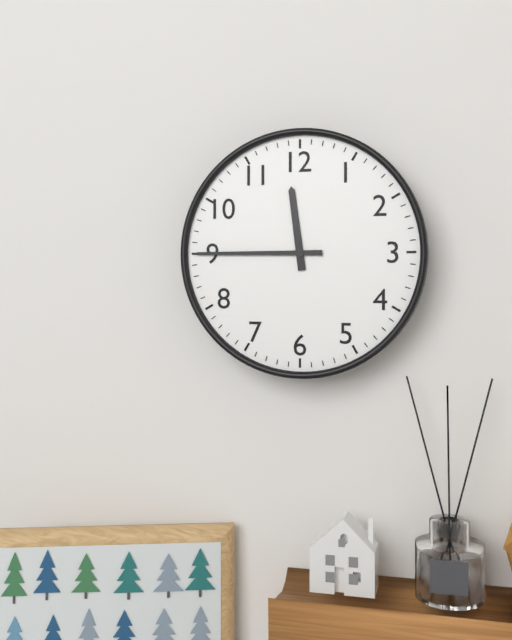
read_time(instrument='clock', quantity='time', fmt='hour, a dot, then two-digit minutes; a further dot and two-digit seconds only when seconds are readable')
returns 11.45
